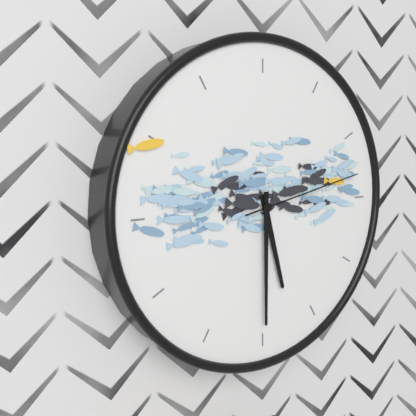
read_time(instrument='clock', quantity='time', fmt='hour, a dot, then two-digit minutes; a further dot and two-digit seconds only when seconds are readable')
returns 5.30.13
